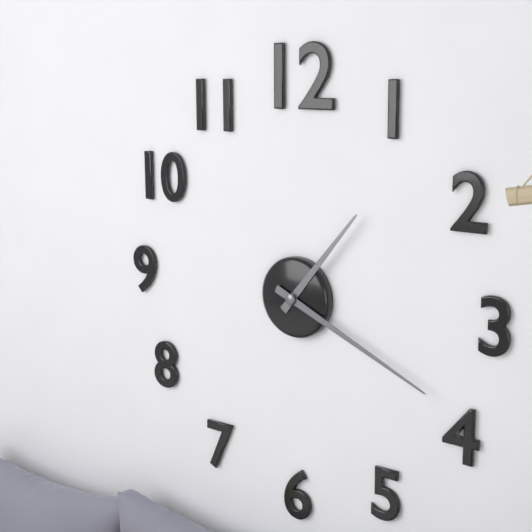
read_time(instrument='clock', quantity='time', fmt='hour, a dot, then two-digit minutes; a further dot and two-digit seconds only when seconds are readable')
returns 1.19
